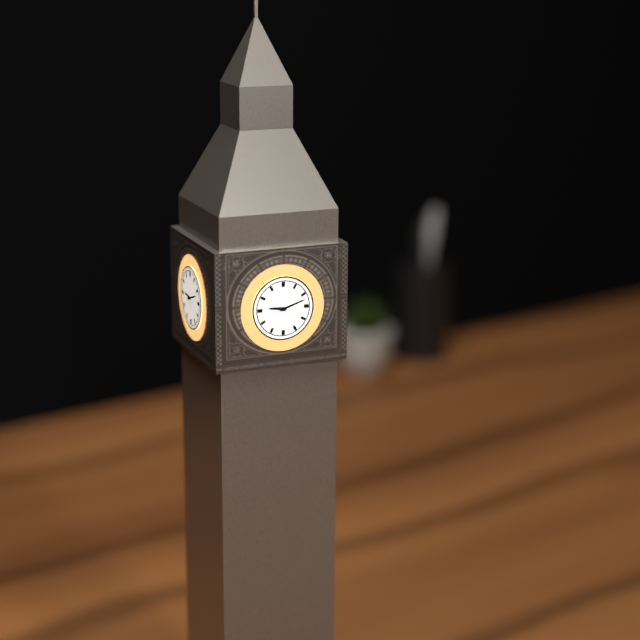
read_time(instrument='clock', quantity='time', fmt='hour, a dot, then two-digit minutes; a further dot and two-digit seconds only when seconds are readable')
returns 9.12
